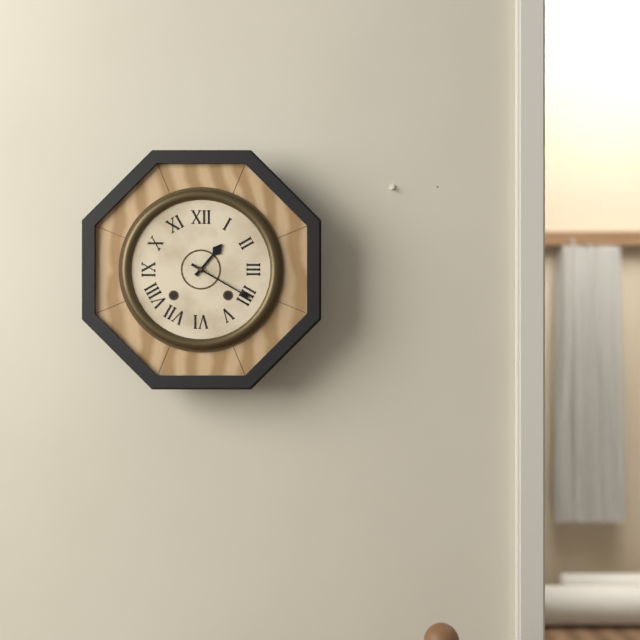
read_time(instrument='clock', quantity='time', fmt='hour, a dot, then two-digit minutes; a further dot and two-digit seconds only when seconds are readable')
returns 1.20
